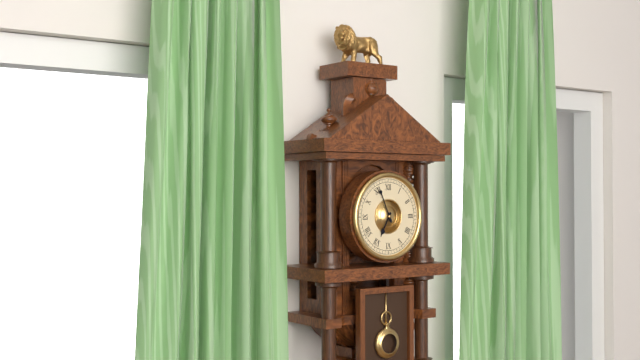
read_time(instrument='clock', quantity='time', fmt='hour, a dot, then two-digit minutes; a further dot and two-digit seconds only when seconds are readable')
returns 6.56
